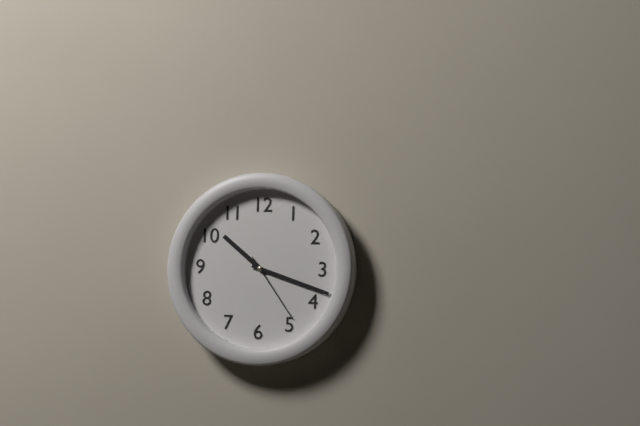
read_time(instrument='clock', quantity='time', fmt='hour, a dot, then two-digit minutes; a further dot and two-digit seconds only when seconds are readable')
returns 10.18.24
